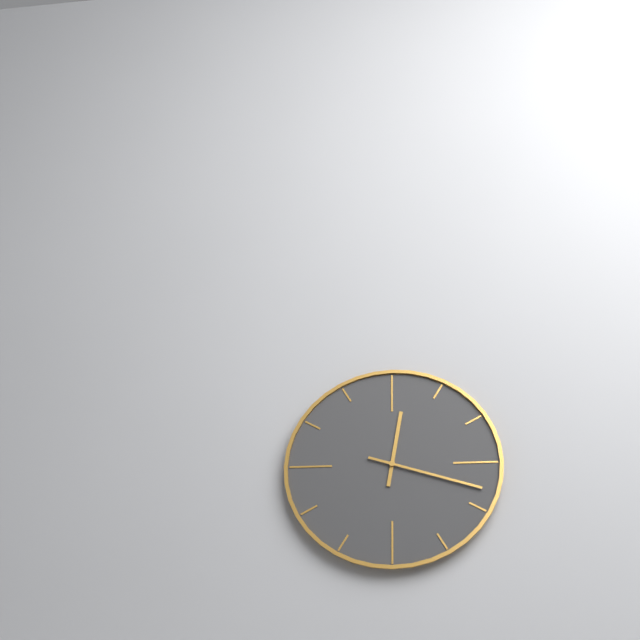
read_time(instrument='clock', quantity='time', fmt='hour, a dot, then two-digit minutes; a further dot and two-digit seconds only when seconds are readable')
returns 12.18
